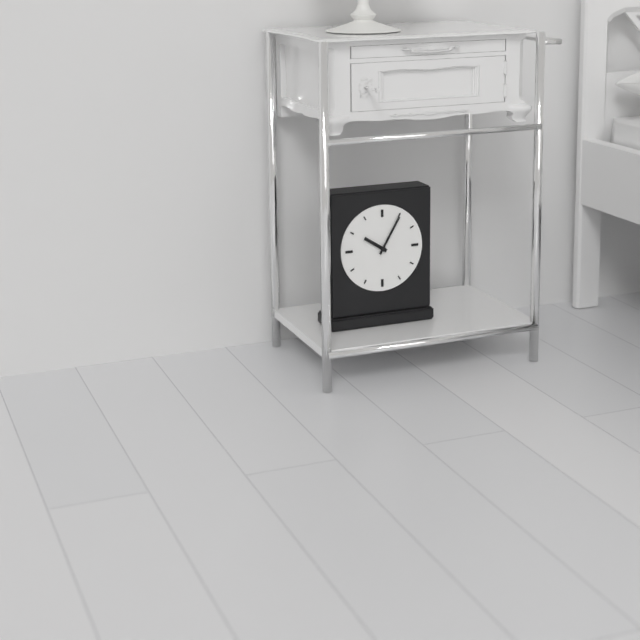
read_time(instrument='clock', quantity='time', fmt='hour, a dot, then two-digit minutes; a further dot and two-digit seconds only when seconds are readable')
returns 10.05
